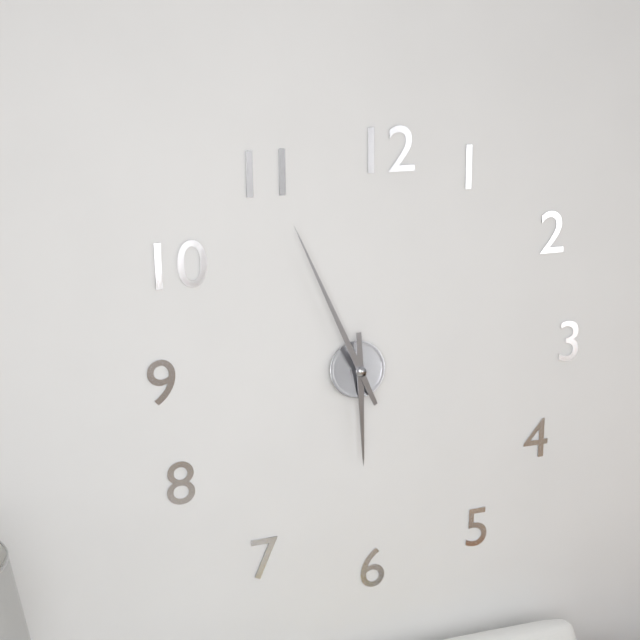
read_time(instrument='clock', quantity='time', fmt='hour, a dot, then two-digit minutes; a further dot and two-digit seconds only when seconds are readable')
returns 5.56
